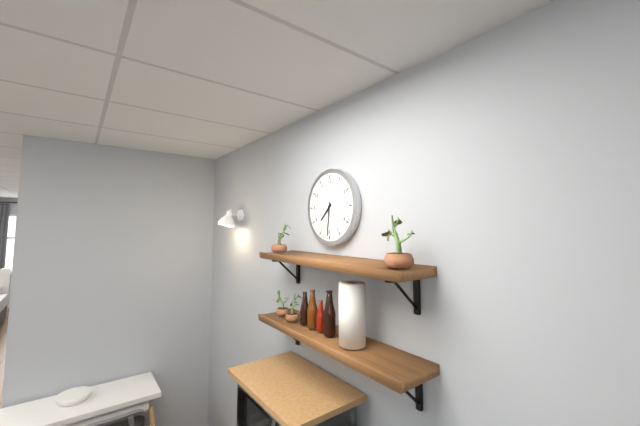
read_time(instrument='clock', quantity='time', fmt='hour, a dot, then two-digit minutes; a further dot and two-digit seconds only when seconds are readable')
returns 7.31
